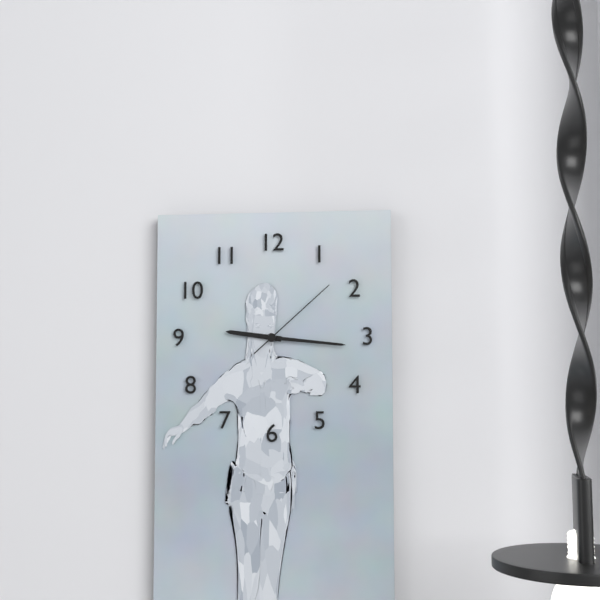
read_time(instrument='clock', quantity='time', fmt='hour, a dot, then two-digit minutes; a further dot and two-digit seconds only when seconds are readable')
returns 9.16.08
